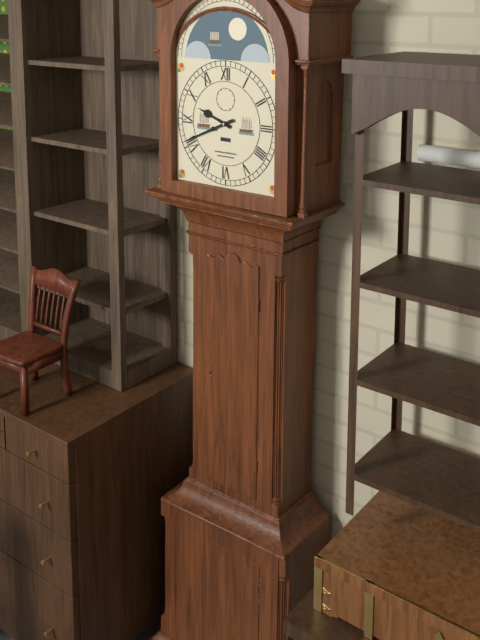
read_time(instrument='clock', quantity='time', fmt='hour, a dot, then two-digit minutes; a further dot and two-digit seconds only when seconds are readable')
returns 9.41
